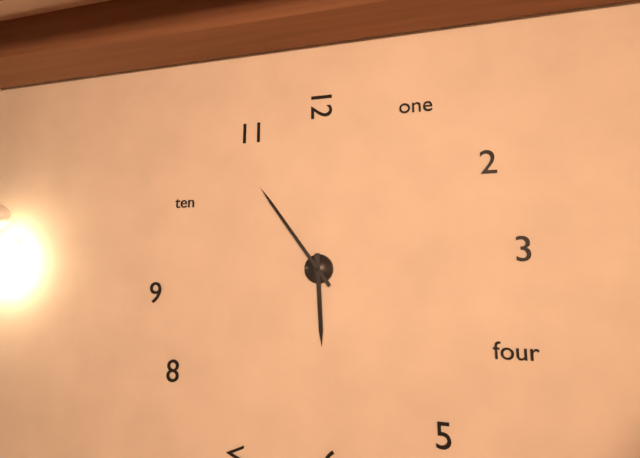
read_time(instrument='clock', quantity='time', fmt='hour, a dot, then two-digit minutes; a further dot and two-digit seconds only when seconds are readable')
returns 5.54
